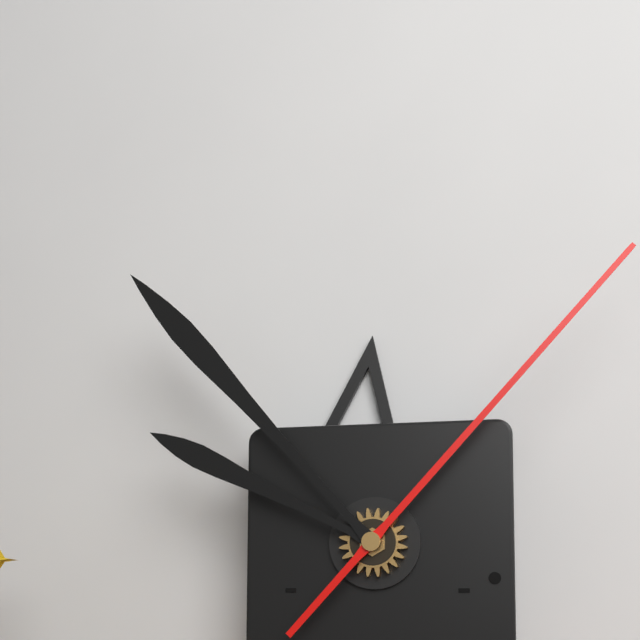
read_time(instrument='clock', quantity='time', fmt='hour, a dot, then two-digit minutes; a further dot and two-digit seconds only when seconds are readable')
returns 9.53.07
